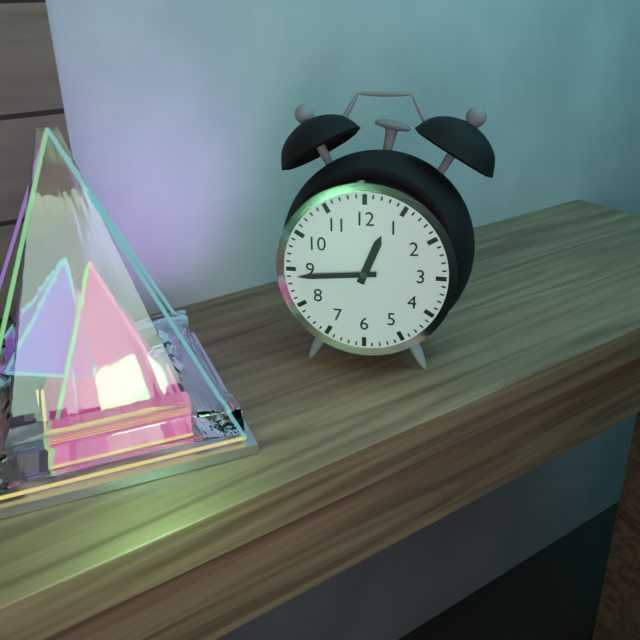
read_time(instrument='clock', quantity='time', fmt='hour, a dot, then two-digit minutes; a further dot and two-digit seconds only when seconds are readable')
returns 12.44
